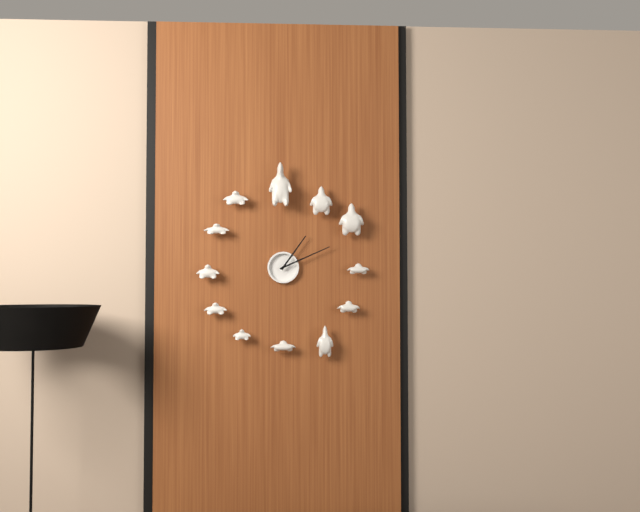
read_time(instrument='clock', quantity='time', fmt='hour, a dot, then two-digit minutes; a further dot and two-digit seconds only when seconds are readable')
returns 1.11
